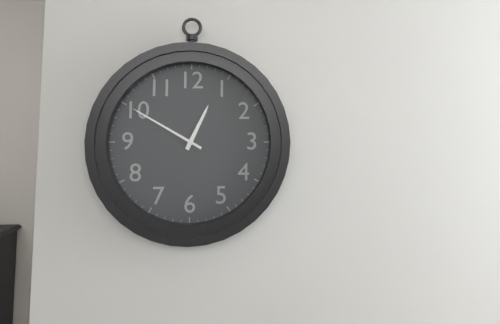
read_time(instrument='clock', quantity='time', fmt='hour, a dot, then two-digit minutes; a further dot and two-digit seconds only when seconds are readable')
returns 12.50
